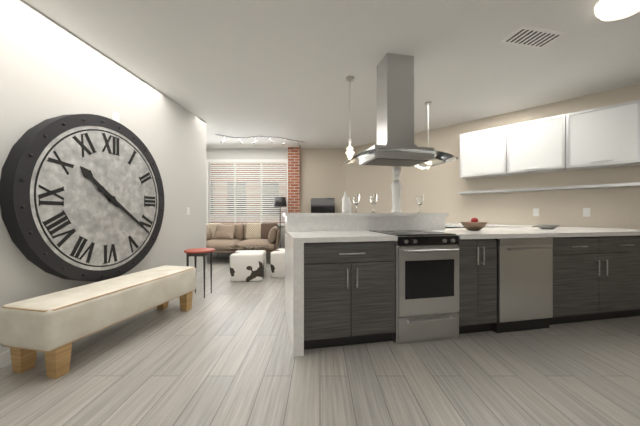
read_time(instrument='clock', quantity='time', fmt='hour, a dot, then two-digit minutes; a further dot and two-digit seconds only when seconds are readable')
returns 10.21
